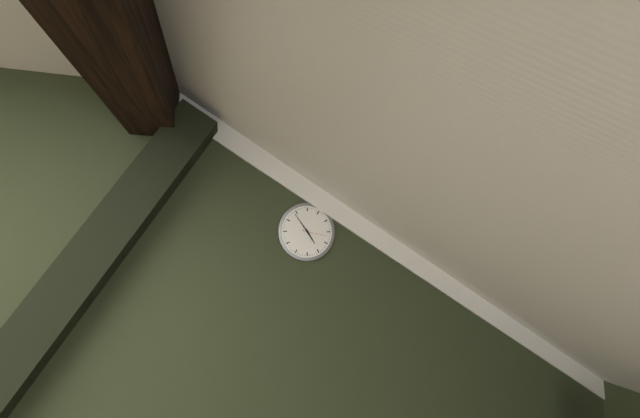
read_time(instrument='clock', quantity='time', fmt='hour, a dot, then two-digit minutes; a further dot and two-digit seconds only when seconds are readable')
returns 4.54
